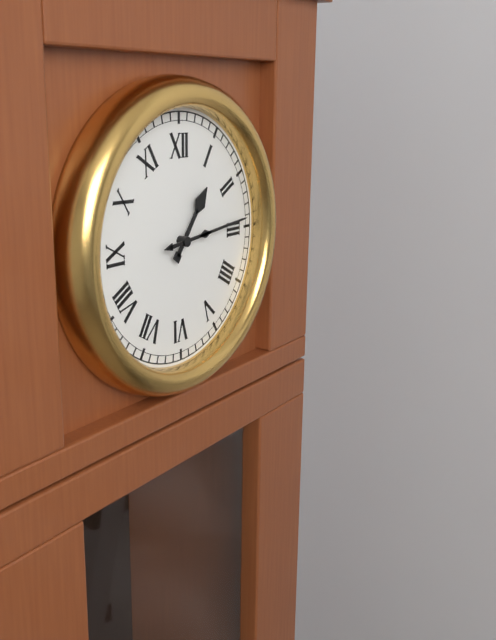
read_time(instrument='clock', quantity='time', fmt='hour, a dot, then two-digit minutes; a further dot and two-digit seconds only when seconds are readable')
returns 1.14
